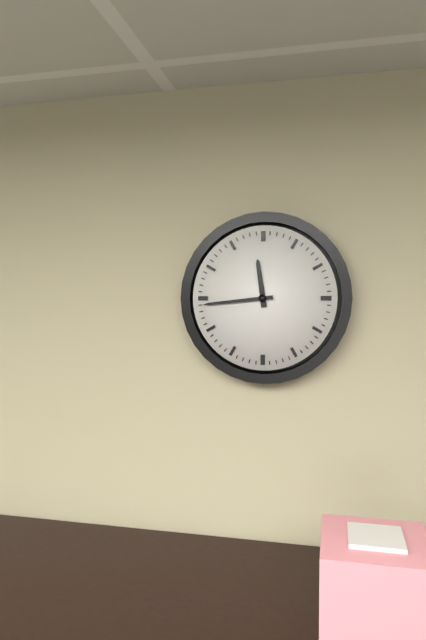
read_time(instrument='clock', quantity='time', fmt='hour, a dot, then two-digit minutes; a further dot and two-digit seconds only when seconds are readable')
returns 11.44
